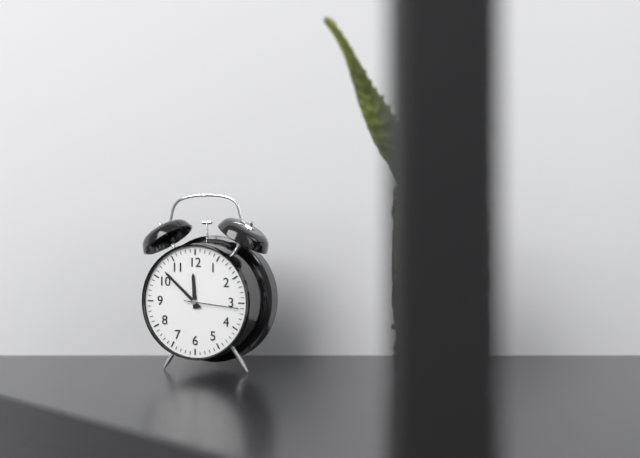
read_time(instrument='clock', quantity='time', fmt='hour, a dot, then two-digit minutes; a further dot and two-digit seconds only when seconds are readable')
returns 11.52.16
